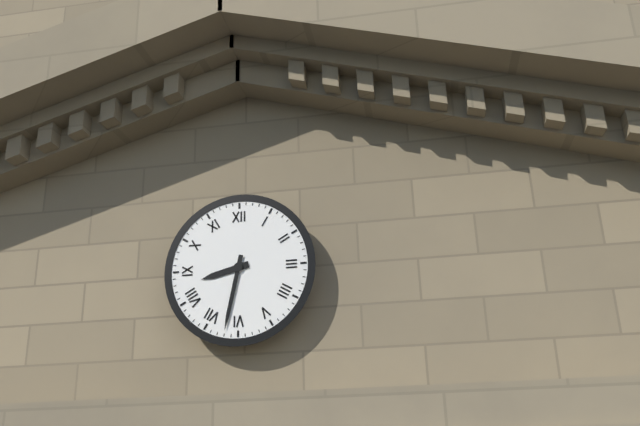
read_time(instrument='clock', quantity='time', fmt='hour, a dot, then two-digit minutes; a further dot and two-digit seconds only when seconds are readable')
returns 8.32
